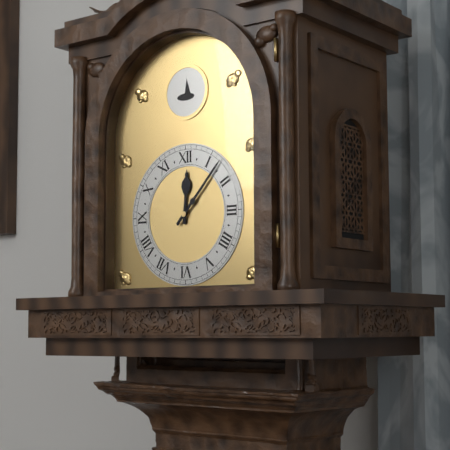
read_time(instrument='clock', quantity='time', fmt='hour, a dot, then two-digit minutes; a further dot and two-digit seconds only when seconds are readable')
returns 12.07
